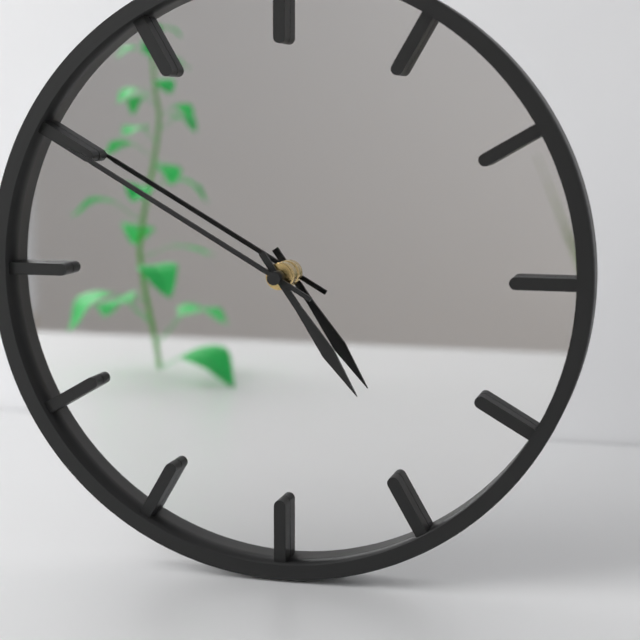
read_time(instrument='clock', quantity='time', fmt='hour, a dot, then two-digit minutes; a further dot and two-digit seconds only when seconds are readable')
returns 4.50
